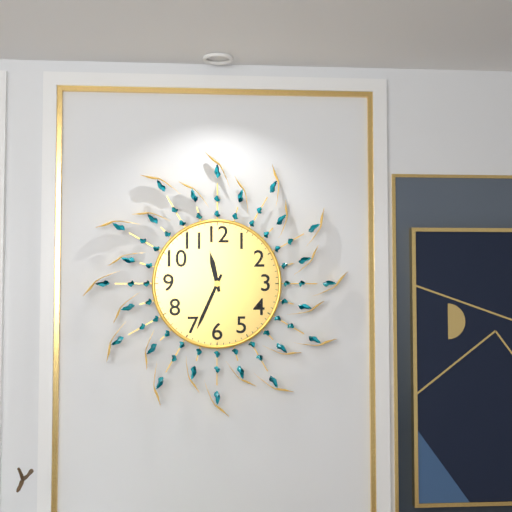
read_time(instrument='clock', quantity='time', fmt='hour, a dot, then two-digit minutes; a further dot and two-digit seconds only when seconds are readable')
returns 11.34
